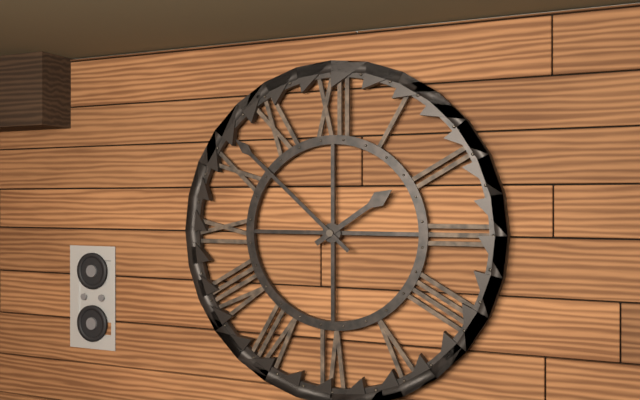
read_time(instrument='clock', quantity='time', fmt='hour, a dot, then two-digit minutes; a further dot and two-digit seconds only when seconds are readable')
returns 1.52
